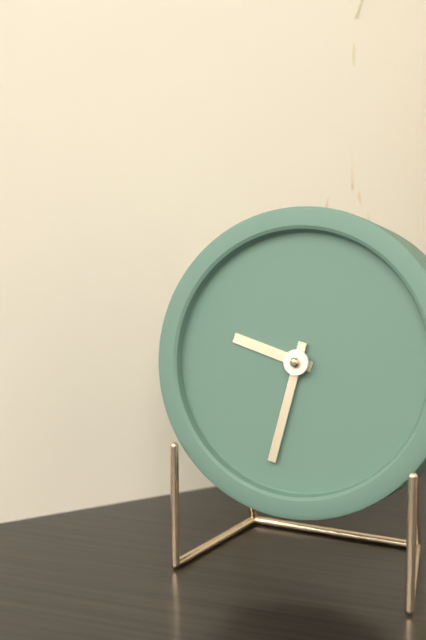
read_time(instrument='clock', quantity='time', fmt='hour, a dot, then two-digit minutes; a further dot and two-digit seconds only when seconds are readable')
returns 9.32
